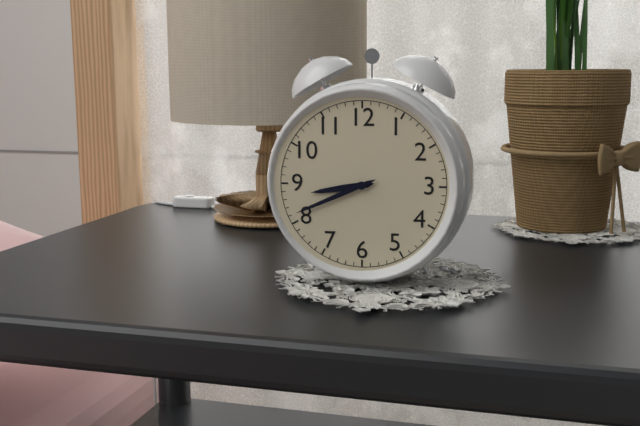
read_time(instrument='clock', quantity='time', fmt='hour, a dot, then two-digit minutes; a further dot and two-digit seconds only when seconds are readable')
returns 8.41
